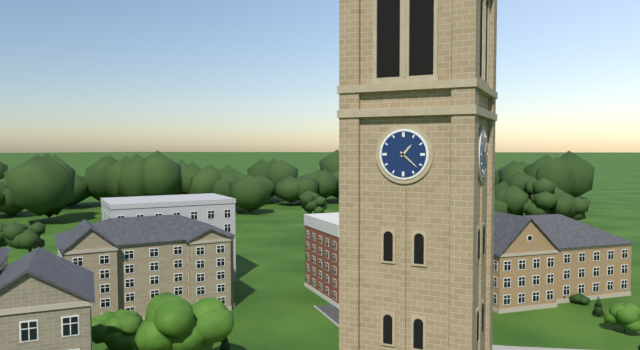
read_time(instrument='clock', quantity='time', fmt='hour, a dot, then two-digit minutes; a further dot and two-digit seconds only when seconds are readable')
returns 1.22
